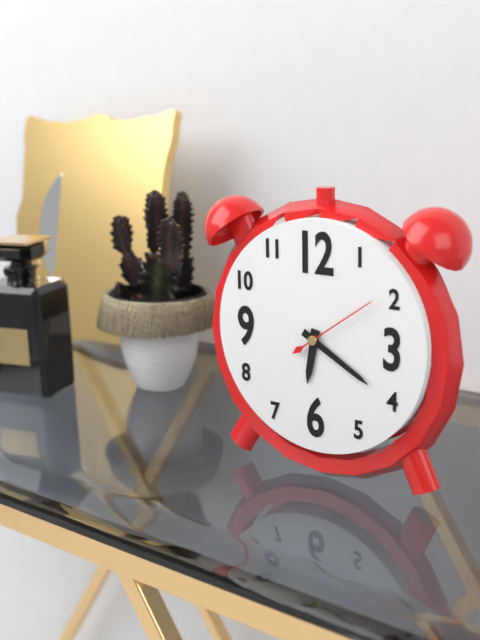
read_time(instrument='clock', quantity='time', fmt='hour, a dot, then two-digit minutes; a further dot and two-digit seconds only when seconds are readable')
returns 6.20.09
